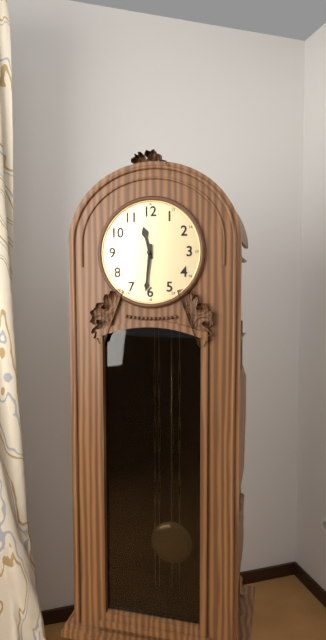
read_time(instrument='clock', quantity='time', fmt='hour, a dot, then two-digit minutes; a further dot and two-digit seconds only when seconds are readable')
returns 11.31
